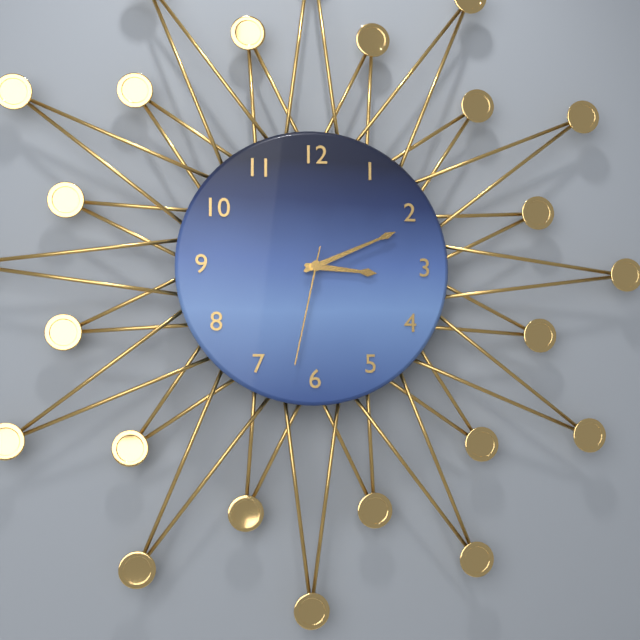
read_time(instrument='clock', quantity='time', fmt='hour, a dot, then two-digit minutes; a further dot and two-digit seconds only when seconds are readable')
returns 3.11.32
